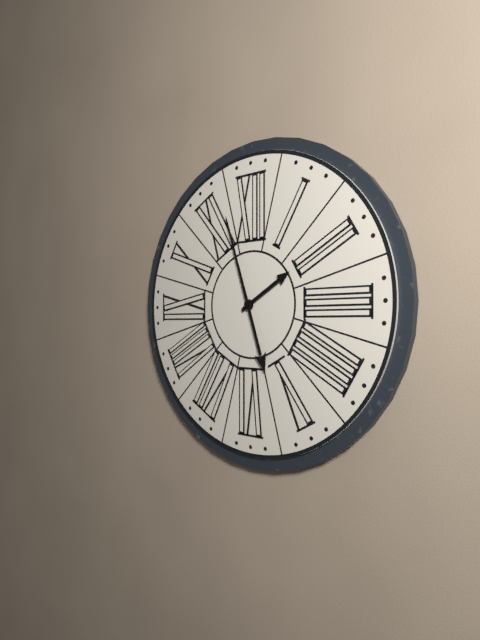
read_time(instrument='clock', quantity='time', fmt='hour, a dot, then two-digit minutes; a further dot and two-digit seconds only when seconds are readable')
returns 1.57
